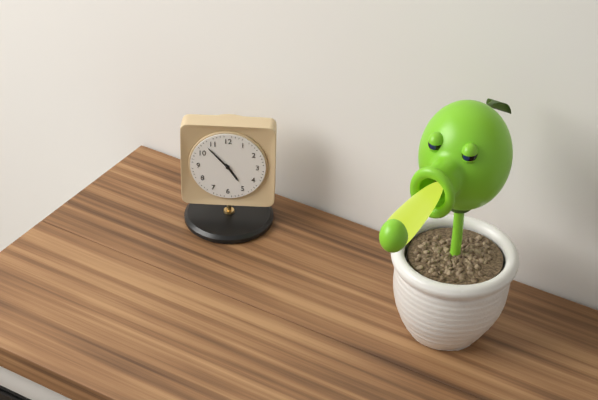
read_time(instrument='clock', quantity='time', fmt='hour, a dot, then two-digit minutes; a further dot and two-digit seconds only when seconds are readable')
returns 4.53
